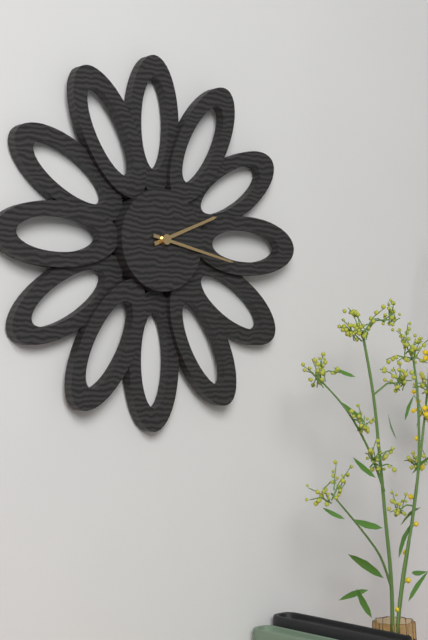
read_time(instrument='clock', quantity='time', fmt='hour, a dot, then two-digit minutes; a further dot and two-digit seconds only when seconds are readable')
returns 2.17
